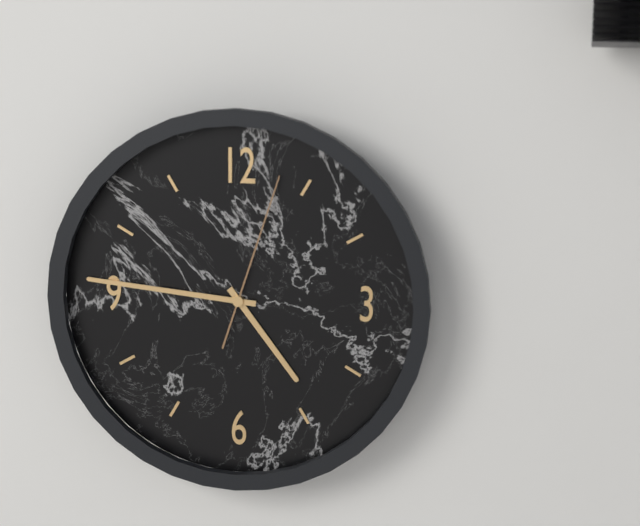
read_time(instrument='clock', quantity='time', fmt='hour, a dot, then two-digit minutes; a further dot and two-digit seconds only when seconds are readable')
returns 4.46.03
